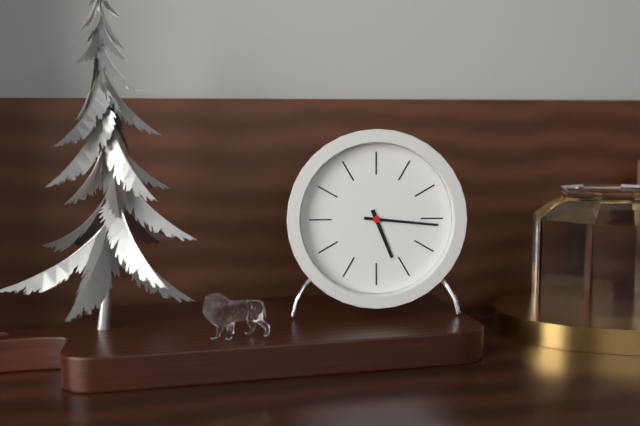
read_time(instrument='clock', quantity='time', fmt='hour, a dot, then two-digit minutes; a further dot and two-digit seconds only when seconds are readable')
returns 5.16
